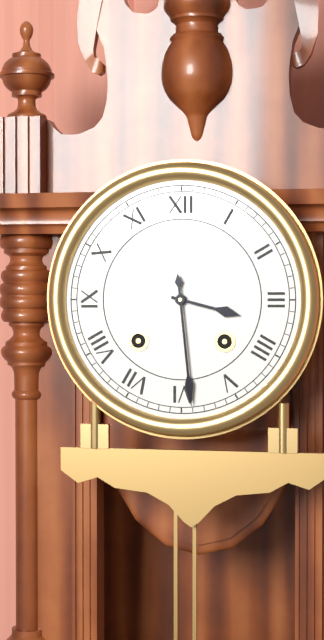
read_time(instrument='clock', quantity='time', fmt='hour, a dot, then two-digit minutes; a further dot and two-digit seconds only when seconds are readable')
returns 3.29
